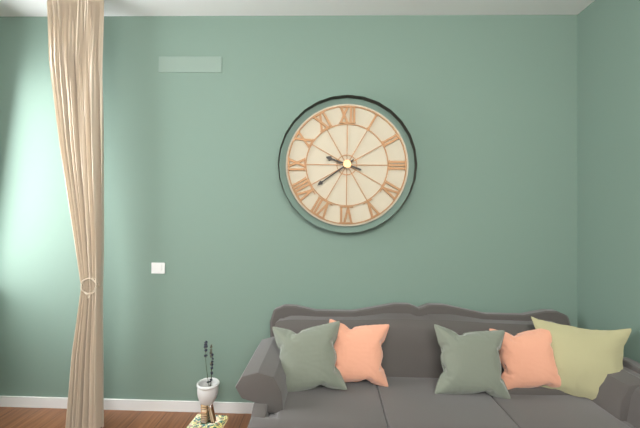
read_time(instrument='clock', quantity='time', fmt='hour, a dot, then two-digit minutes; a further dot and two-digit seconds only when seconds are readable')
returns 9.39
